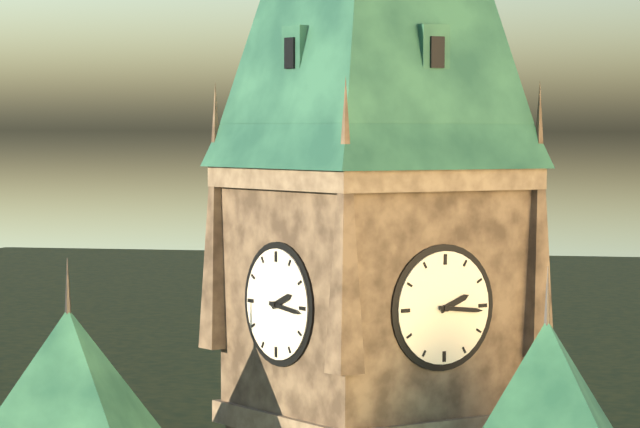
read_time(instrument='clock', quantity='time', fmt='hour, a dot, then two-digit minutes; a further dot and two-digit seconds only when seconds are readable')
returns 2.16
